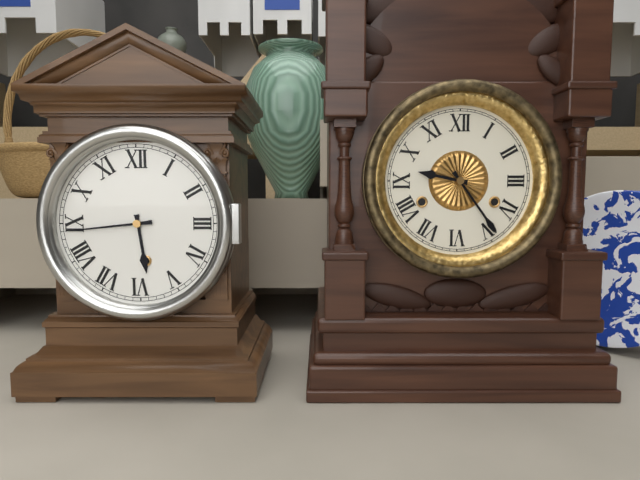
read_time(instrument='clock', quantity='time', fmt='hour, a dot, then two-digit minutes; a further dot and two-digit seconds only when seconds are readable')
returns 5.44
